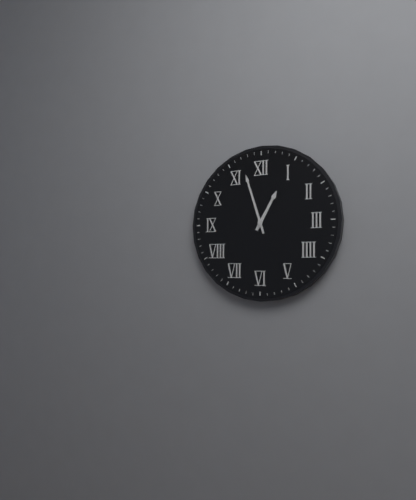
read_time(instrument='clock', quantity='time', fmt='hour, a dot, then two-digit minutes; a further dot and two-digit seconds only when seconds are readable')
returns 12.57
